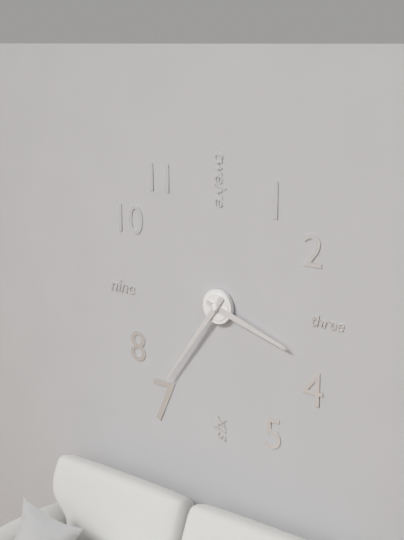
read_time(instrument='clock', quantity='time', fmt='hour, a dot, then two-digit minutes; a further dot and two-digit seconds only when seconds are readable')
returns 3.36
